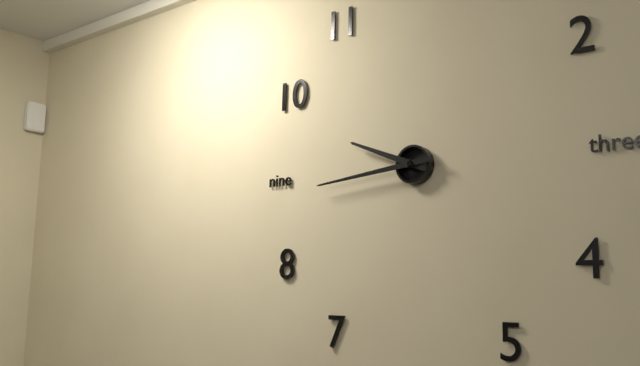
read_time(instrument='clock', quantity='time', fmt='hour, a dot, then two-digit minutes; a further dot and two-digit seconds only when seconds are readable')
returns 9.44
